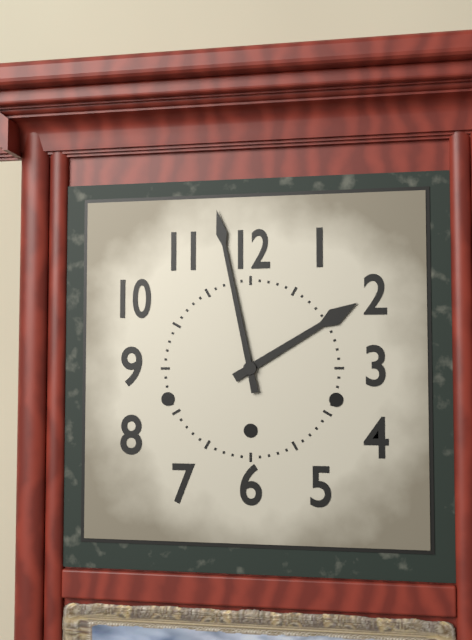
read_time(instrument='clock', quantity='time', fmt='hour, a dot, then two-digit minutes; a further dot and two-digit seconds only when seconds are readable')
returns 1.58
